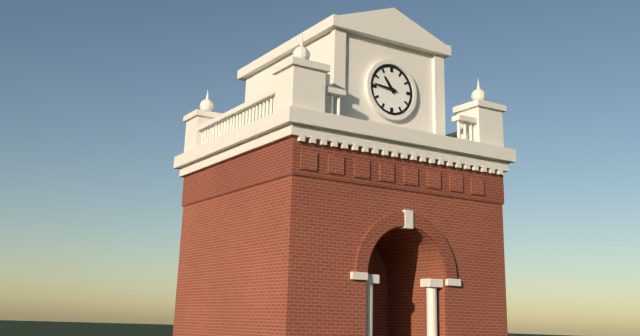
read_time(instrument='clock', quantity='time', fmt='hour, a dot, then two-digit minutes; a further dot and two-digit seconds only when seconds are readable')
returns 10.46
